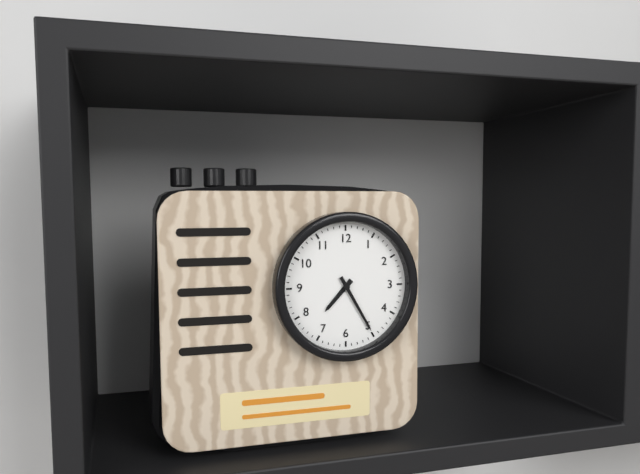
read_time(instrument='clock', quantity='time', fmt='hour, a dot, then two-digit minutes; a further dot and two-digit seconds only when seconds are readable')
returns 7.25
